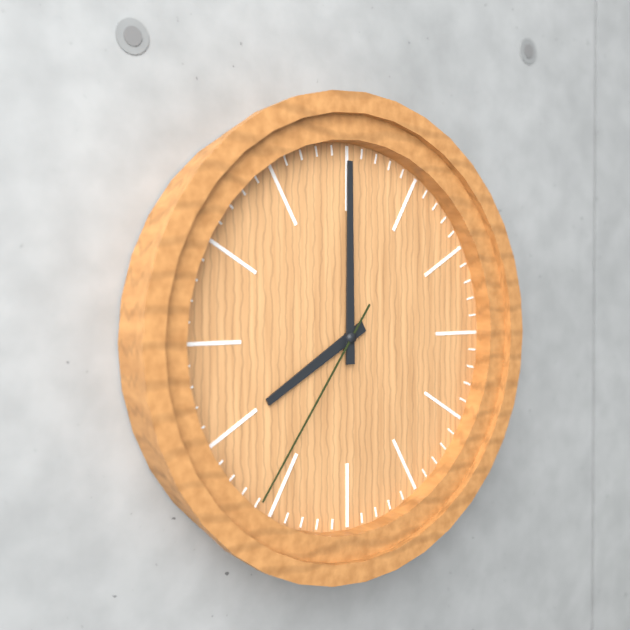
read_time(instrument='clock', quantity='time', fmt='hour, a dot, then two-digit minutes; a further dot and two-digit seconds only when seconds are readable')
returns 8.00.36
